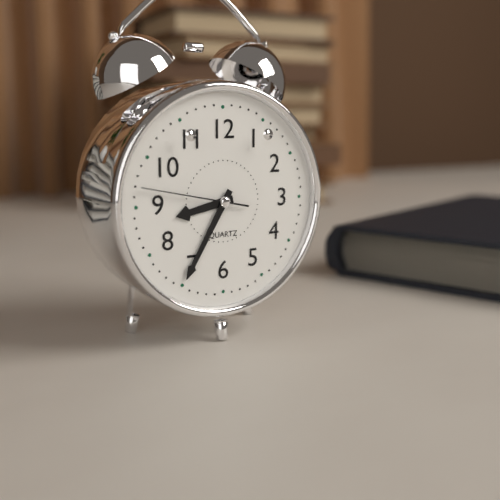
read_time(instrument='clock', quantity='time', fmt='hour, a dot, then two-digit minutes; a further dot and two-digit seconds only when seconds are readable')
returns 8.35.47
